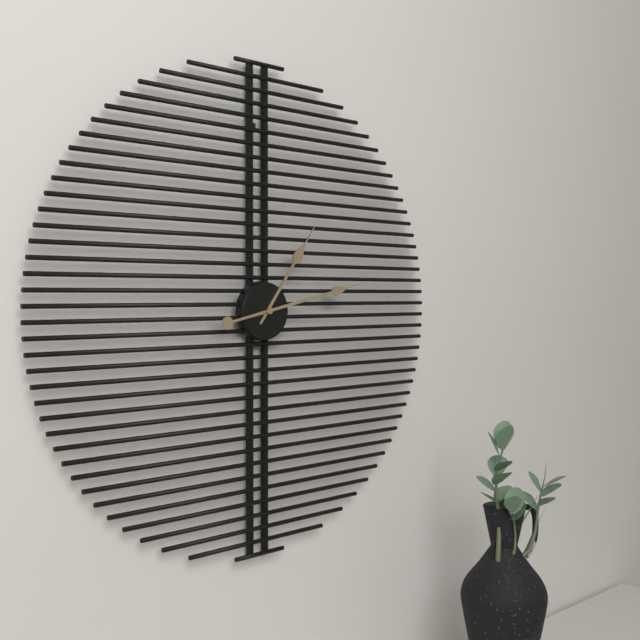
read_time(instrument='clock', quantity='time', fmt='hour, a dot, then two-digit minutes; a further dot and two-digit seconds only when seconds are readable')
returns 1.13
